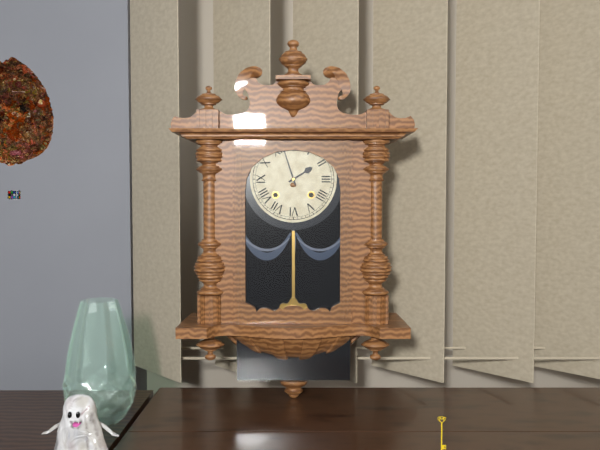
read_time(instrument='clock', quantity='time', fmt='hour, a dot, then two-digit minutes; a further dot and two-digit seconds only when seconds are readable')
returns 1.57
